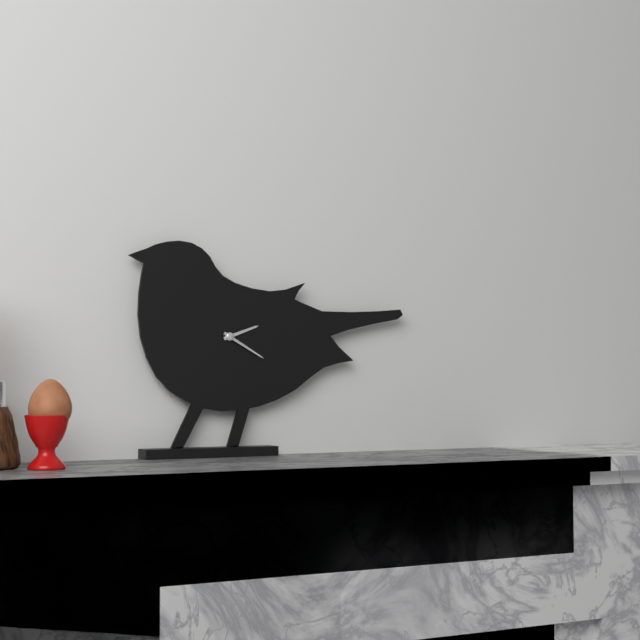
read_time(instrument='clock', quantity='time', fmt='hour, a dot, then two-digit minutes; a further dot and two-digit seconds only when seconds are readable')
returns 2.20
